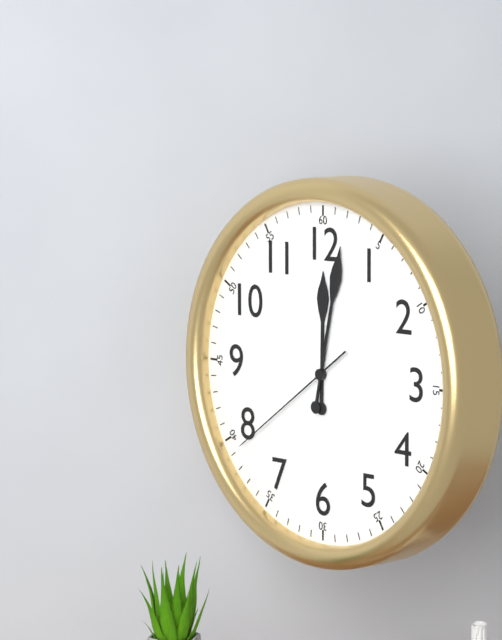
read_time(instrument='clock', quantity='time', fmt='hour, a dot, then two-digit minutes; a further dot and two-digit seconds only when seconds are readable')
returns 12.02.39
